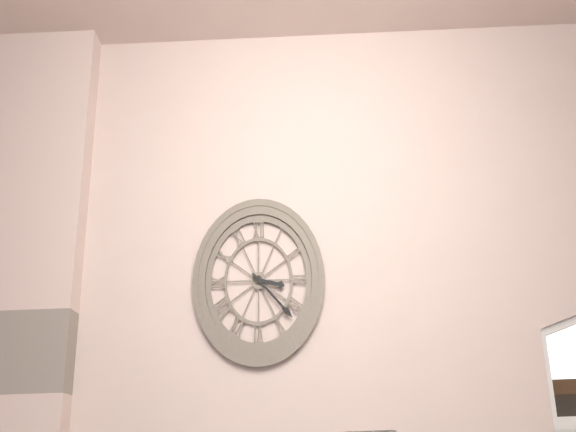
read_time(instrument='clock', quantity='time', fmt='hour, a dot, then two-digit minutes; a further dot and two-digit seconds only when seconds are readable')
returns 3.22
